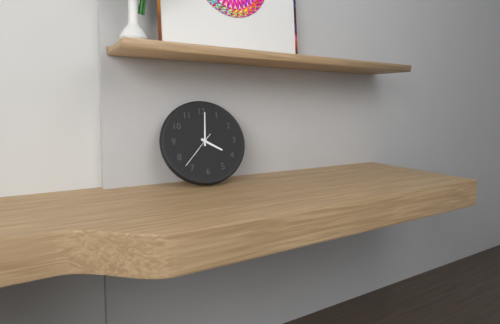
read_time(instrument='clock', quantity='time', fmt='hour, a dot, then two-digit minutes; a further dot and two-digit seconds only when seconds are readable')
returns 4.01
